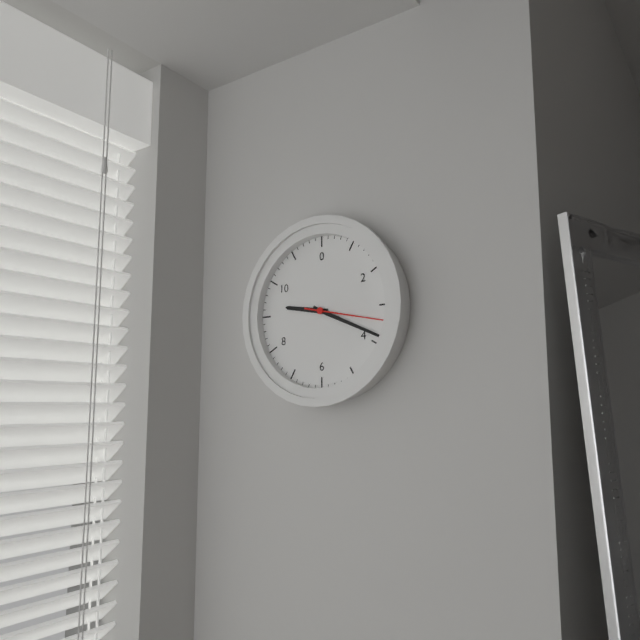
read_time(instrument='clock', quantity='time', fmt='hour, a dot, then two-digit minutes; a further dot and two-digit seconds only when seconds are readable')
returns 9.19.17
